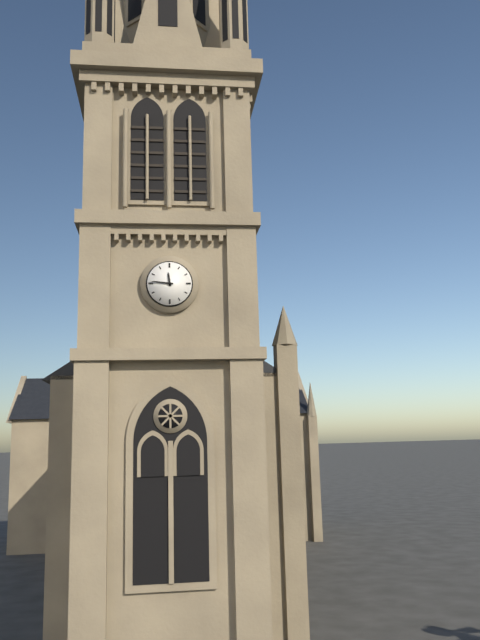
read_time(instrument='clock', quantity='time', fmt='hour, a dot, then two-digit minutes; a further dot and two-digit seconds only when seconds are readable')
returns 11.46
